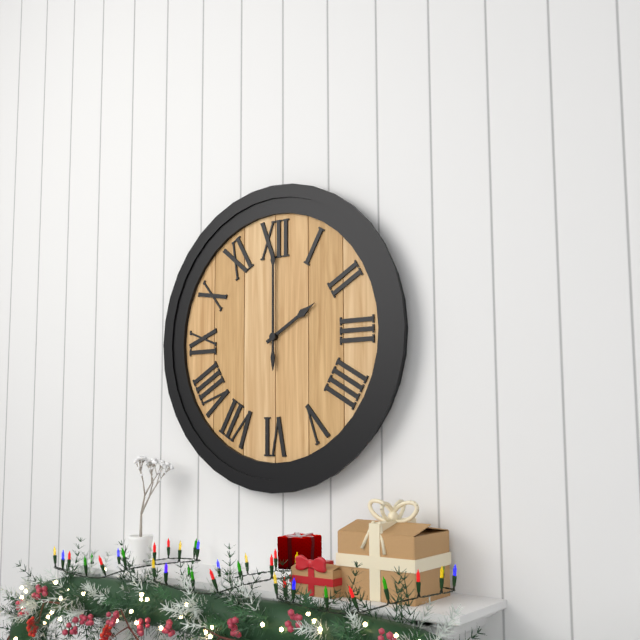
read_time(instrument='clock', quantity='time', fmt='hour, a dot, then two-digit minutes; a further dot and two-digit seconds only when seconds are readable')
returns 2.00
